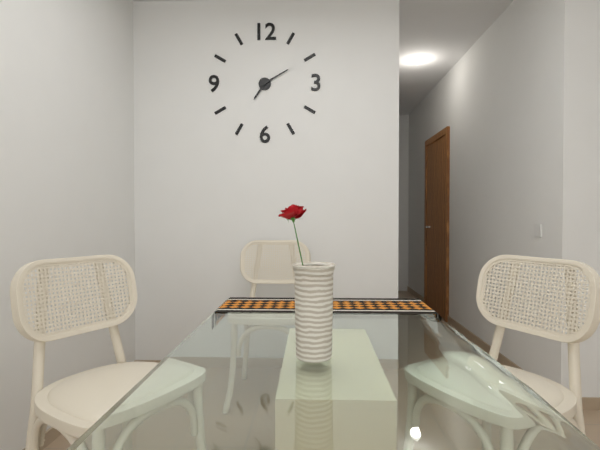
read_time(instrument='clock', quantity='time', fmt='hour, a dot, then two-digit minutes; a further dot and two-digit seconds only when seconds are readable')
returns 7.10
